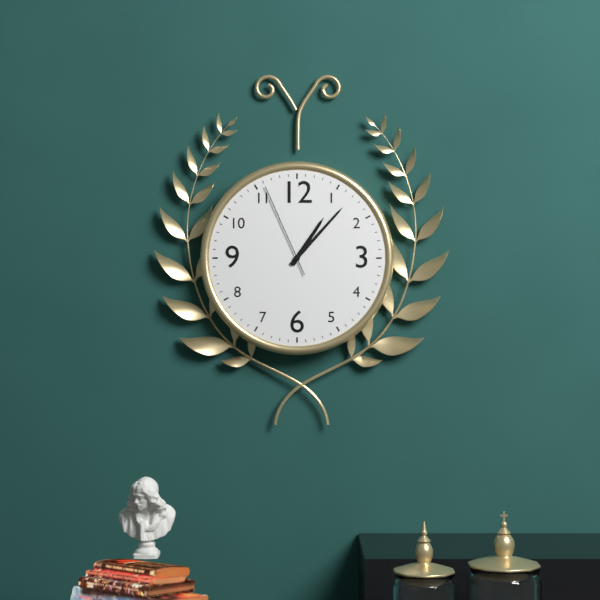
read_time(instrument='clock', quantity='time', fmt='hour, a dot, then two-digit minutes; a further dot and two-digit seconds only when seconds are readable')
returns 1.07.56
